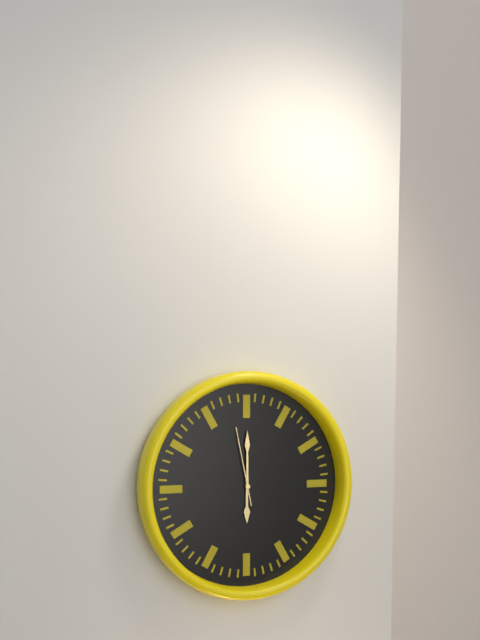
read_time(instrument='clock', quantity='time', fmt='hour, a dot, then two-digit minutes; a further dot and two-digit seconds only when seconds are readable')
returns 6.00.58
